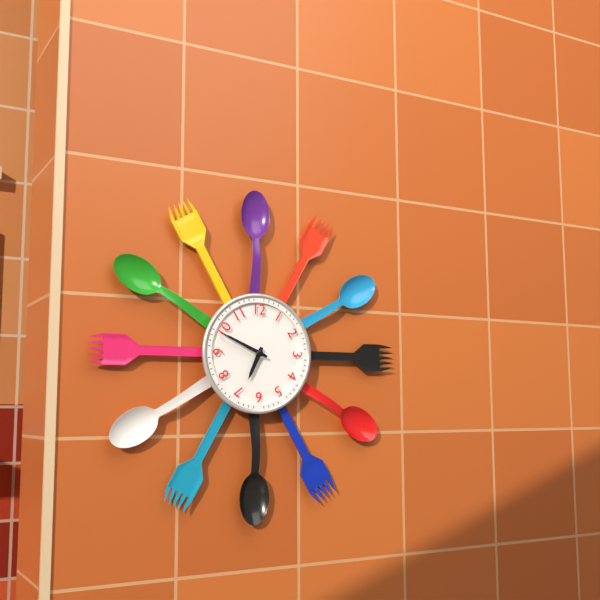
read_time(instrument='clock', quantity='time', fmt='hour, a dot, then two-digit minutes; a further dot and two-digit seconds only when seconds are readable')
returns 6.49
